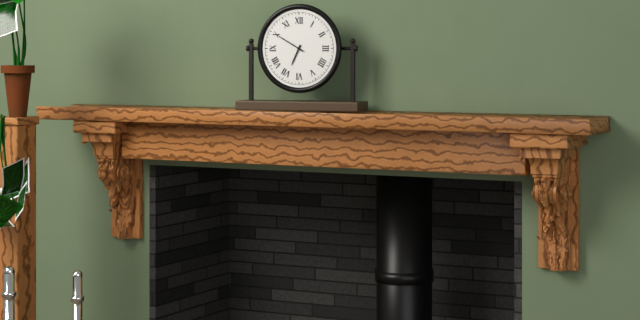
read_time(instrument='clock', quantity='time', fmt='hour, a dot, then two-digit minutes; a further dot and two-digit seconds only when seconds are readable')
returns 6.50
